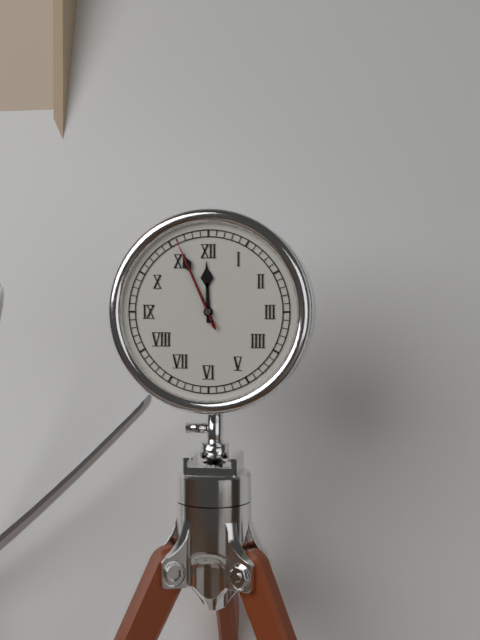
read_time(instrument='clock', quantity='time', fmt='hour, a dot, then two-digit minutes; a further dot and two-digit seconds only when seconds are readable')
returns 11.56.56
